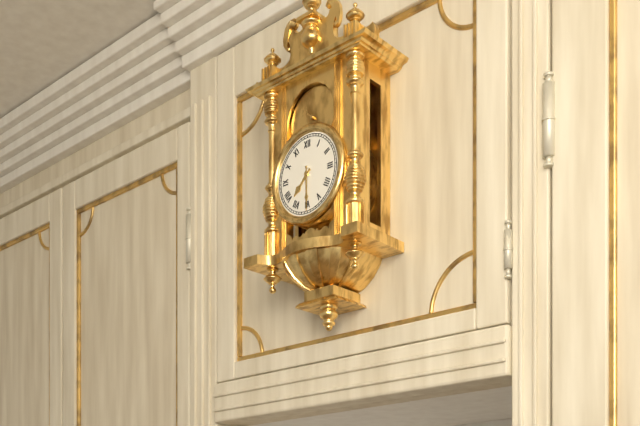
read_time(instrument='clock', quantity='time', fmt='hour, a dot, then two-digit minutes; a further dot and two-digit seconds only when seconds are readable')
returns 7.30
